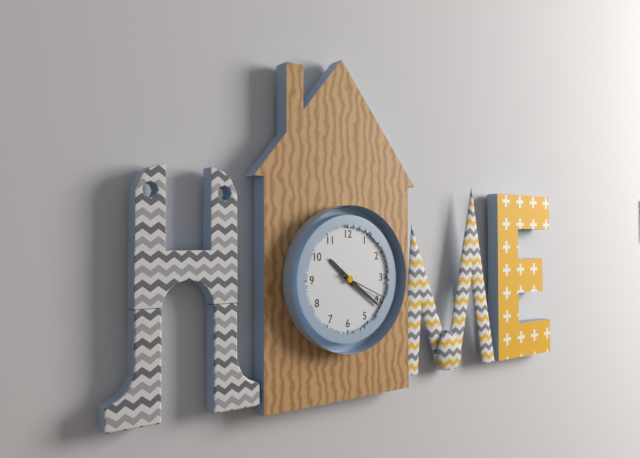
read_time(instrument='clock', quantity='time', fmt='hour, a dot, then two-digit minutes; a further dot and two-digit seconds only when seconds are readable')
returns 10.21.19
